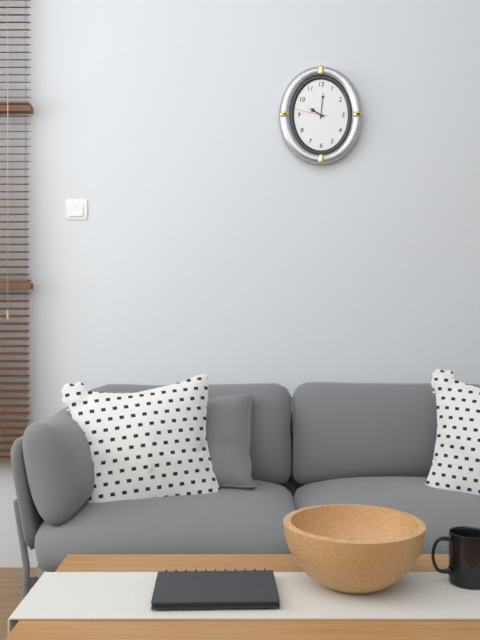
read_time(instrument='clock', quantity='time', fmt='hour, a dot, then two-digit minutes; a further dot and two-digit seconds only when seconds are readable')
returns 10.01
